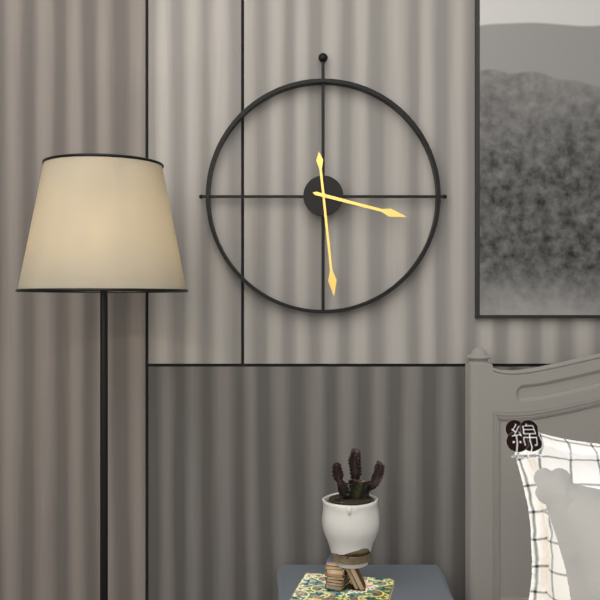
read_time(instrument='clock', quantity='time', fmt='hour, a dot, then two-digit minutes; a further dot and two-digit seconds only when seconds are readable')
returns 3.29
